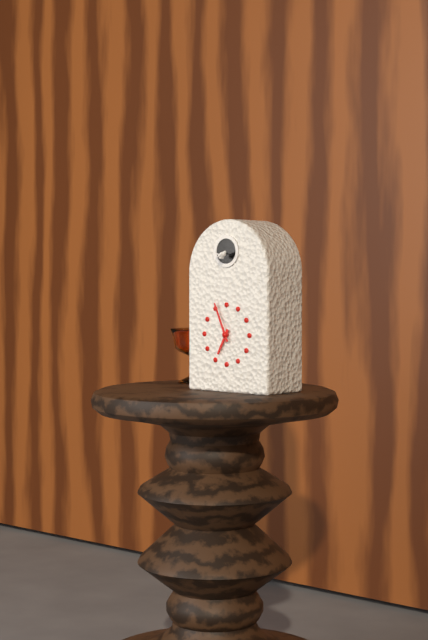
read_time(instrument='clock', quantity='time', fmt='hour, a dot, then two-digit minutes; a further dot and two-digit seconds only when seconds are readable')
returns 6.56
